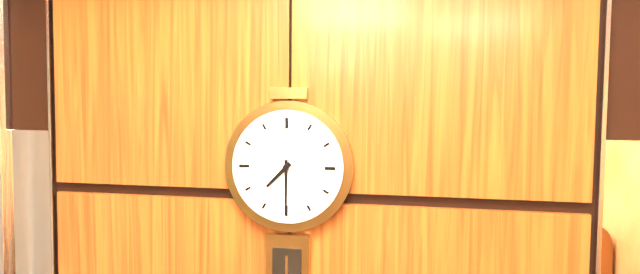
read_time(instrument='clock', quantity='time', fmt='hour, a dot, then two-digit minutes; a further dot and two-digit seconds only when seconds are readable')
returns 7.30
